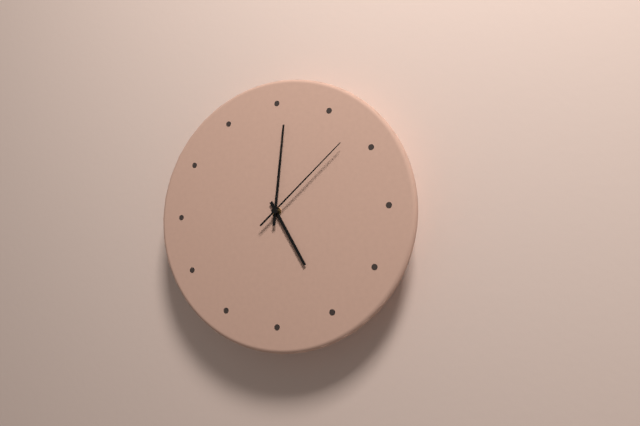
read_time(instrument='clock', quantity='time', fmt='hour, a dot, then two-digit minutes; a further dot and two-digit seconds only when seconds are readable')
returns 5.01.08
